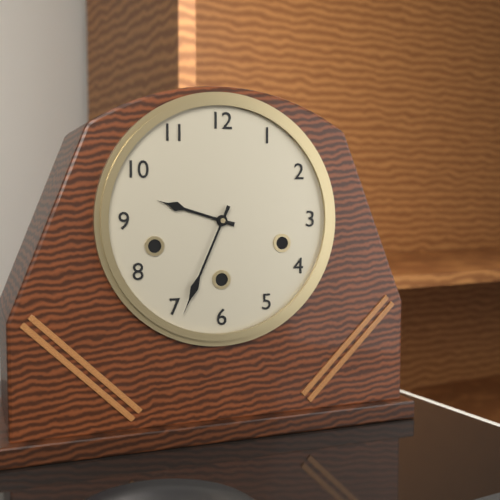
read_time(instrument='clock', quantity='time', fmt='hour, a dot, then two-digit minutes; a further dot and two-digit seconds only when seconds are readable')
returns 9.34
